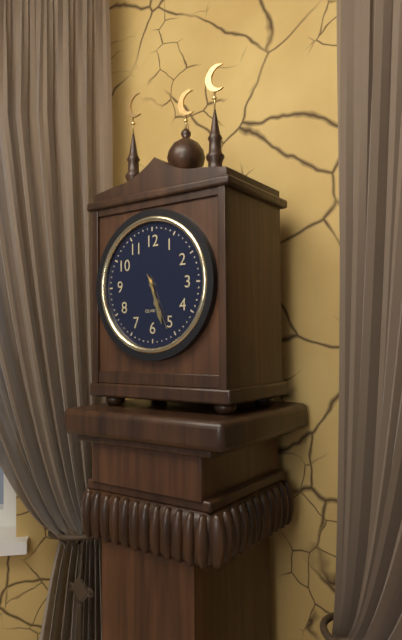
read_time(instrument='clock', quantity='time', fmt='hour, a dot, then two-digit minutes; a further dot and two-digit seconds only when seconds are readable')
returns 5.27.26
